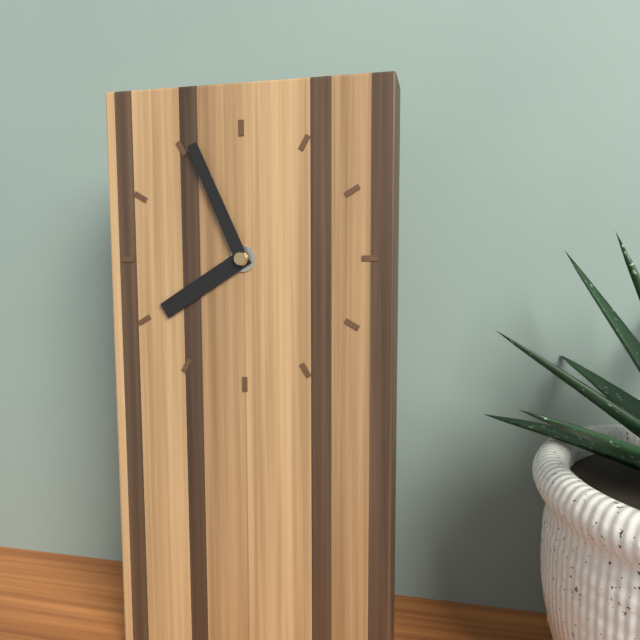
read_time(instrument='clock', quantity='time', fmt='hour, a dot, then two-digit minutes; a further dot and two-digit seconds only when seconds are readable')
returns 7.56
